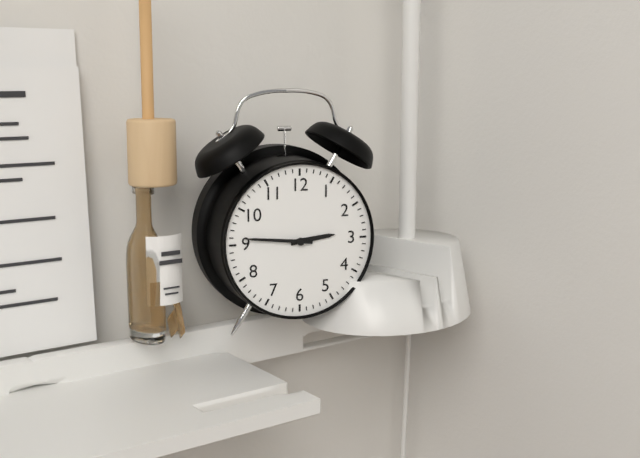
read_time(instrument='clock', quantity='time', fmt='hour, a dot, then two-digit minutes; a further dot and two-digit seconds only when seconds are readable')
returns 2.46
